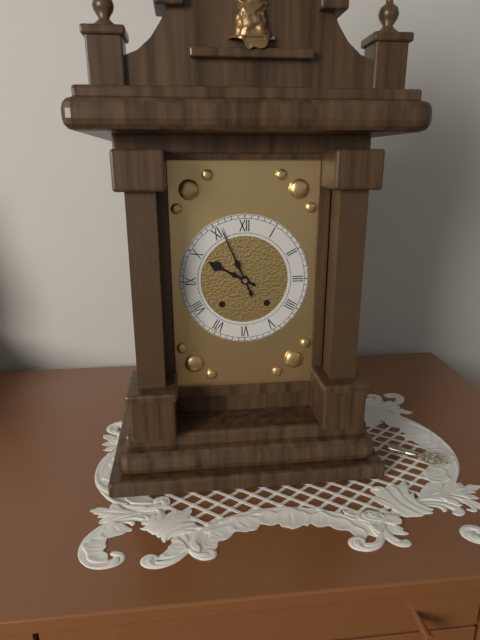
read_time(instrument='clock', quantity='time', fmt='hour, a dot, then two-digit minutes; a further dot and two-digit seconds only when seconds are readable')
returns 9.56
